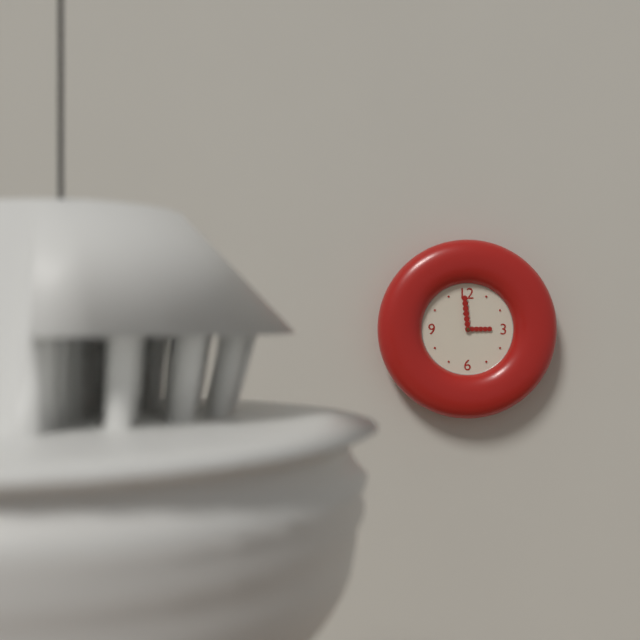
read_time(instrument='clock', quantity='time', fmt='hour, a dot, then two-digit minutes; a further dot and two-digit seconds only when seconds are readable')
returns 2.59
